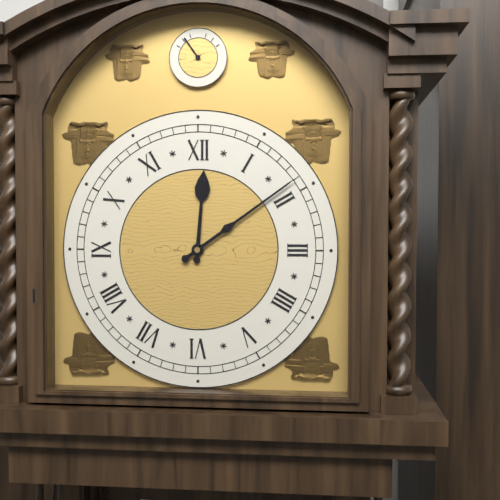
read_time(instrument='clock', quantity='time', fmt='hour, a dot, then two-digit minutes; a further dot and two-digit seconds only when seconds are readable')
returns 12.09
